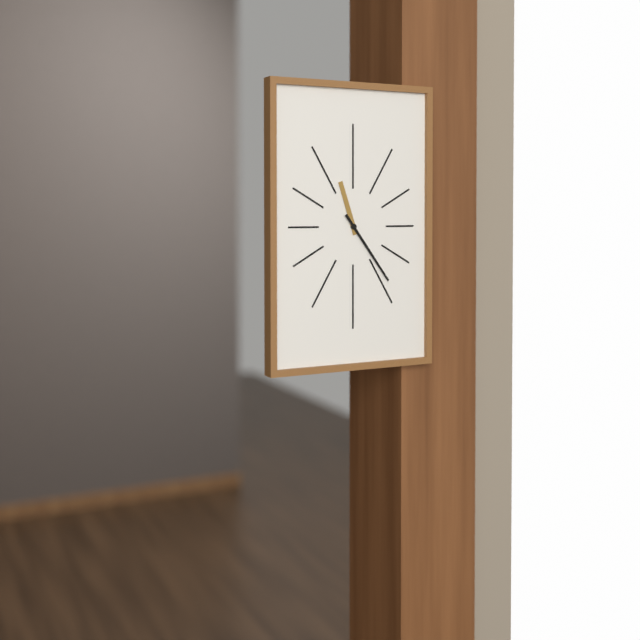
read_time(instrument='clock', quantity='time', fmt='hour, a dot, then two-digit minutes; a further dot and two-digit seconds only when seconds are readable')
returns 11.24
